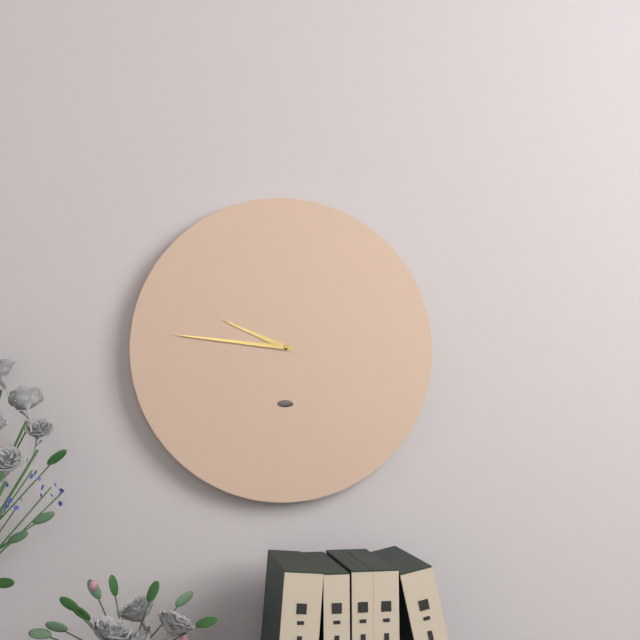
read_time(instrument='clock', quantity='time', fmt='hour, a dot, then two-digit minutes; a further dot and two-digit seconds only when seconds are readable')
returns 9.46
